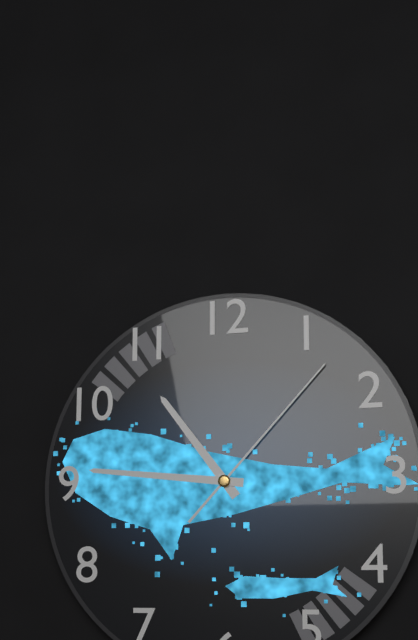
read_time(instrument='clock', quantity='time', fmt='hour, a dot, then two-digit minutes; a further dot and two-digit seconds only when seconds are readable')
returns 10.46.07
